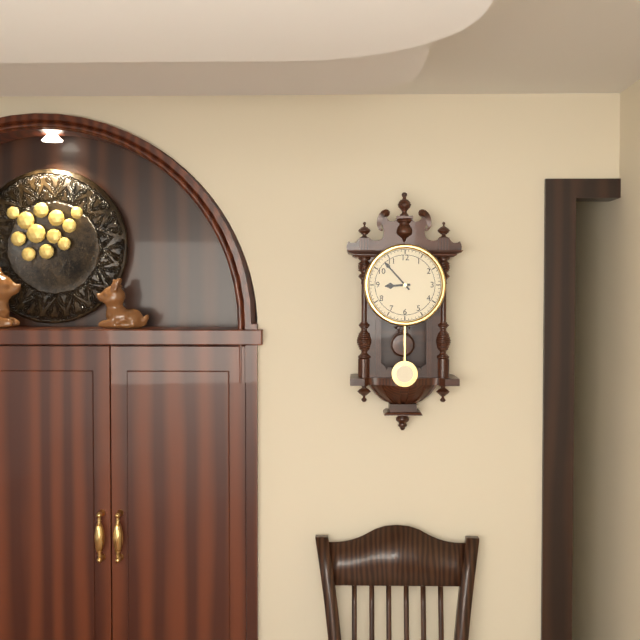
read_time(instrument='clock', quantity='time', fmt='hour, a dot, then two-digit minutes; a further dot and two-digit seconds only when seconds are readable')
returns 8.53
